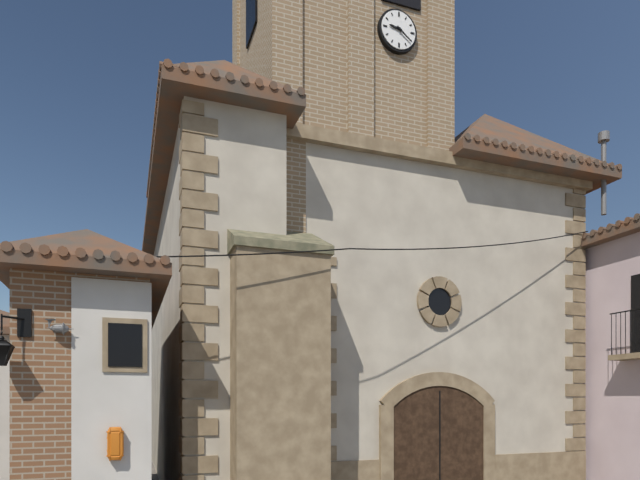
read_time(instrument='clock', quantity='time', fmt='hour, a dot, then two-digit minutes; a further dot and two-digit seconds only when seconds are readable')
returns 9.21
